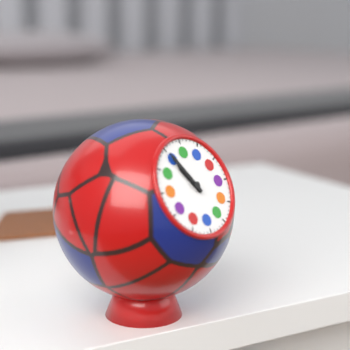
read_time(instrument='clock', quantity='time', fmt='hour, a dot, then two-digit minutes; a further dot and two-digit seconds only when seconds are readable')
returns 10.55
